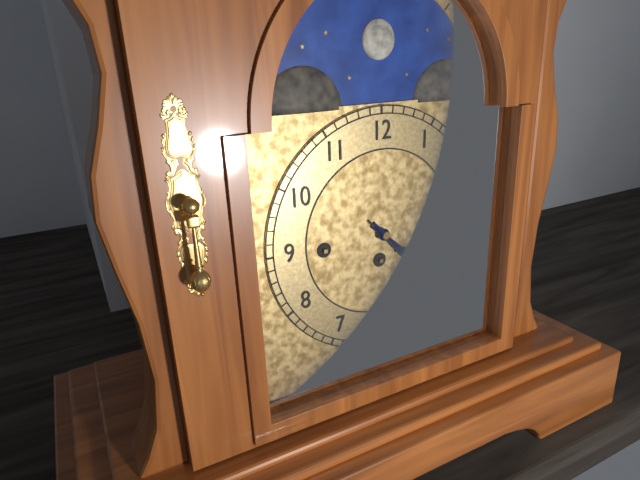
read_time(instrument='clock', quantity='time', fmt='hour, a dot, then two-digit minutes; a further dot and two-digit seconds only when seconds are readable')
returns 4.23
